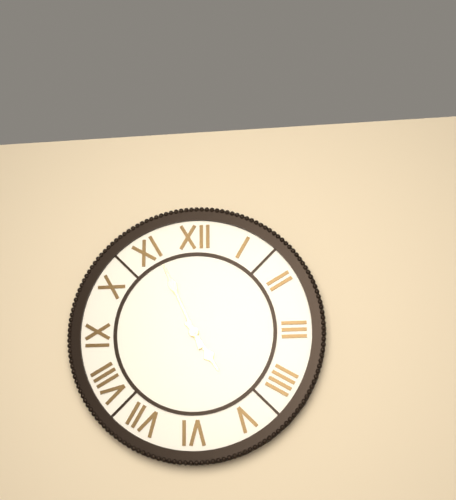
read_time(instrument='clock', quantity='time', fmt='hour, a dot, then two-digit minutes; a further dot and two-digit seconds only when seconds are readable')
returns 4.56
